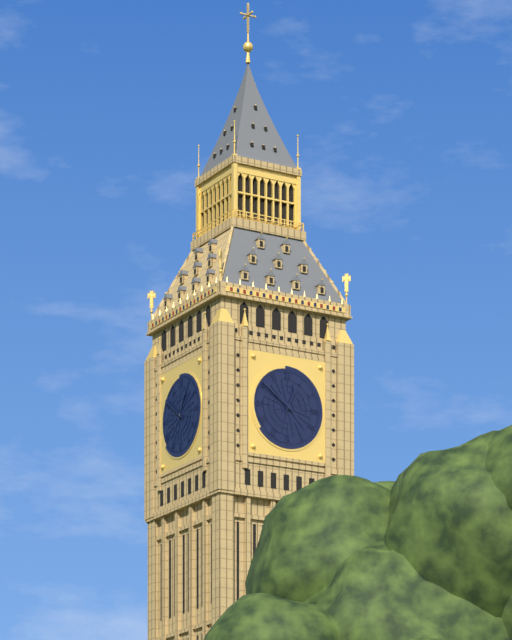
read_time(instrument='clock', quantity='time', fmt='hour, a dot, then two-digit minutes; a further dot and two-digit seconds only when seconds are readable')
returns 12.51
